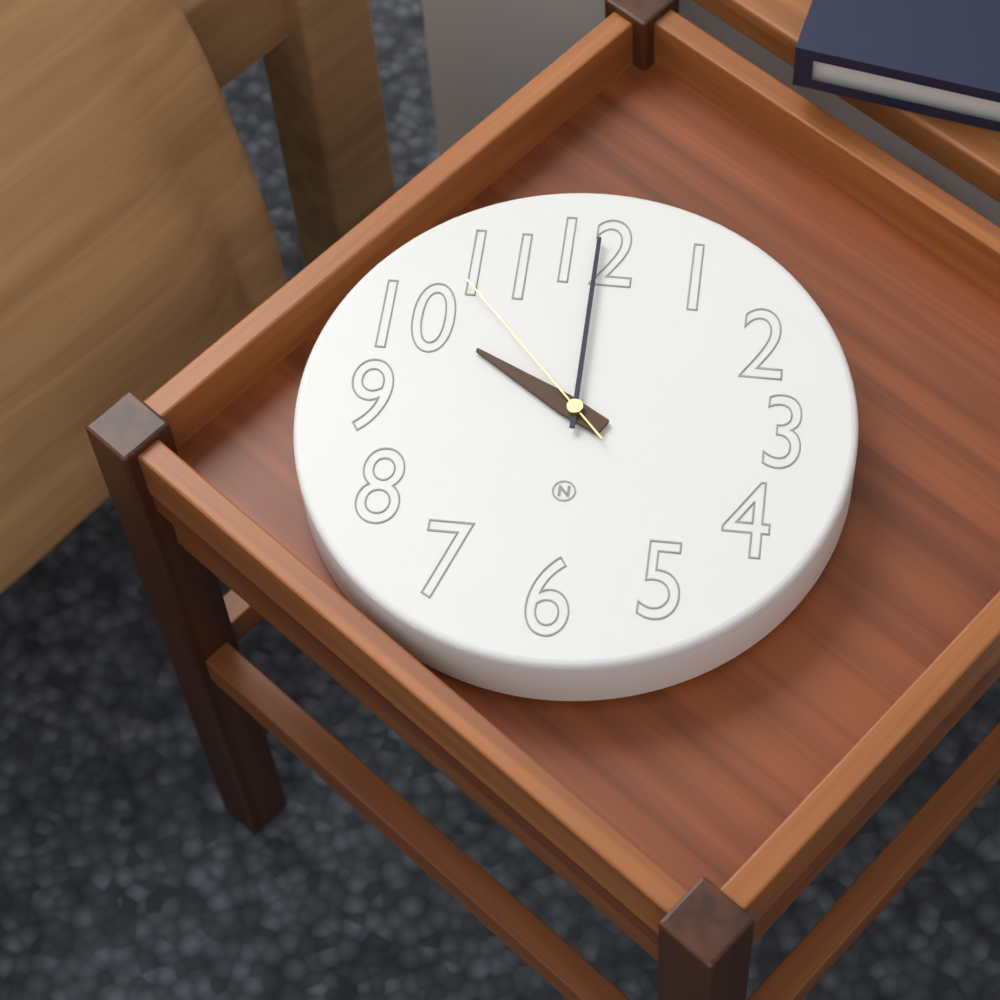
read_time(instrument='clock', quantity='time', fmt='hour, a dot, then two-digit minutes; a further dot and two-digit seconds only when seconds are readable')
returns 10.00.53
